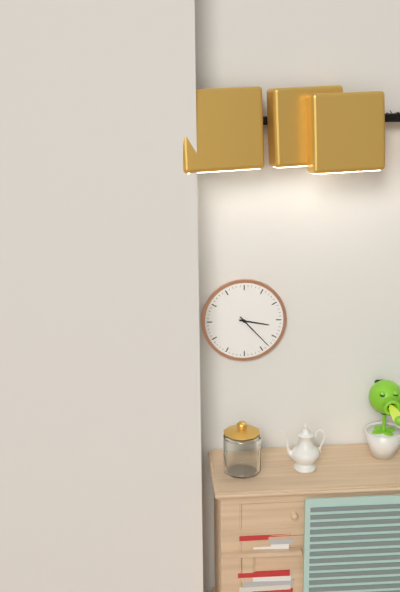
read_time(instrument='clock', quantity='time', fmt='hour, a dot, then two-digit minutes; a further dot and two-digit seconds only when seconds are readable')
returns 3.23
